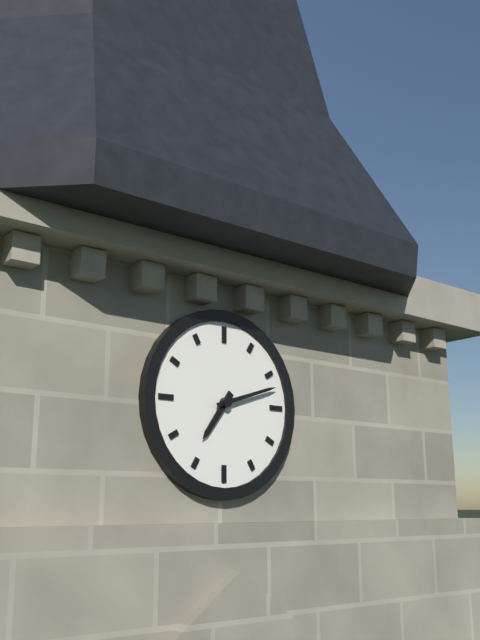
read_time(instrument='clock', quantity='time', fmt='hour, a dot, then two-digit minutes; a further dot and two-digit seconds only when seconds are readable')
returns 7.12
